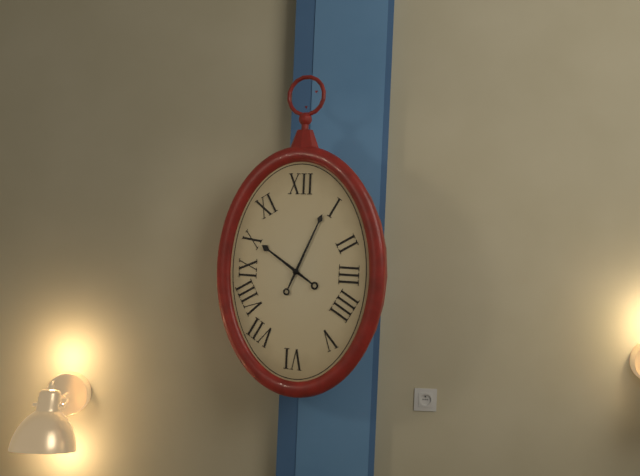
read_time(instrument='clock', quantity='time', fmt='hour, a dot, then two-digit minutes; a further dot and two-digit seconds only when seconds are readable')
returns 10.04
